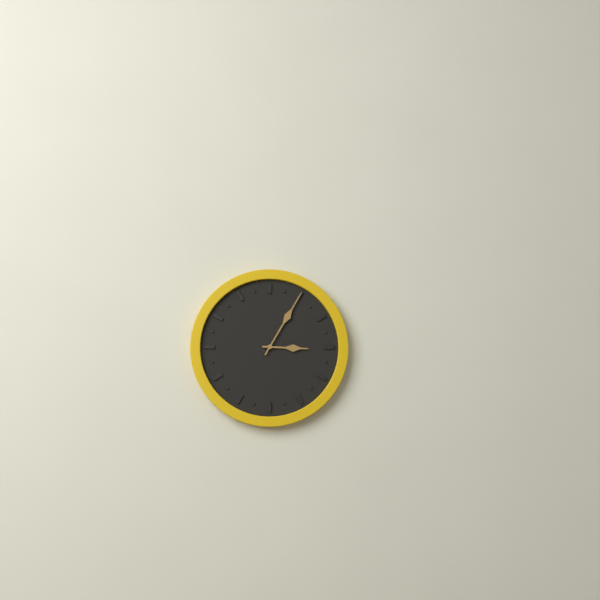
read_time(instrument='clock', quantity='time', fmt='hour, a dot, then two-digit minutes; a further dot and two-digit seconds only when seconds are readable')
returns 3.05
